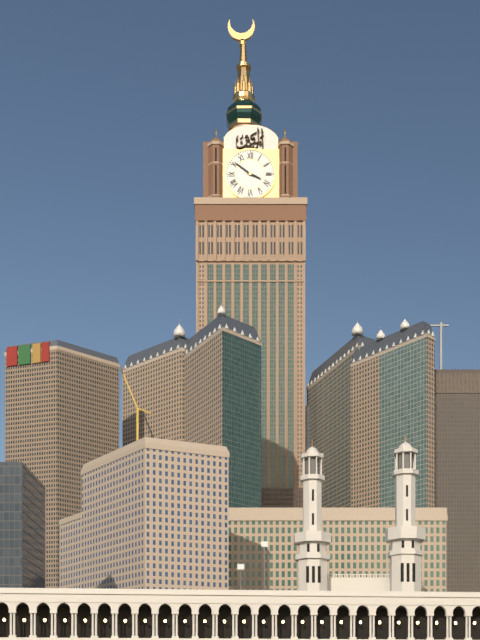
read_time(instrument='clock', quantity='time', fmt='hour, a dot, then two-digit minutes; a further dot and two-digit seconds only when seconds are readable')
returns 3.51
